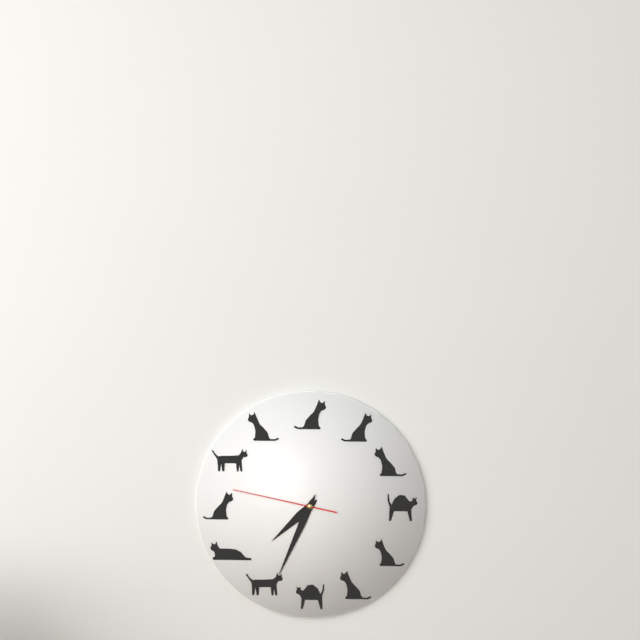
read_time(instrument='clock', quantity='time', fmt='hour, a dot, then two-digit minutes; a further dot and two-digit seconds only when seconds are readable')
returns 7.34.47
